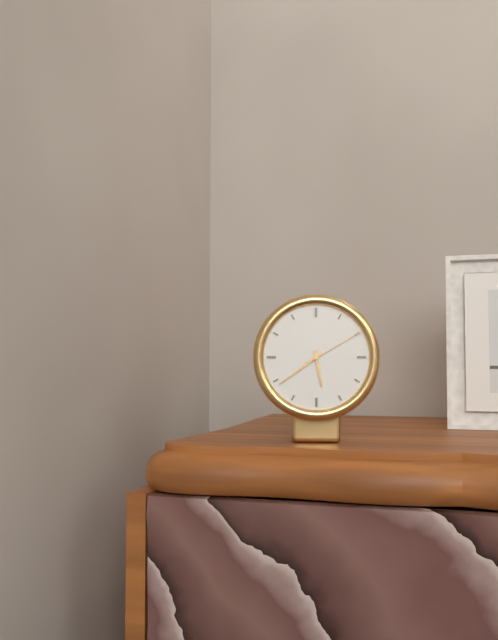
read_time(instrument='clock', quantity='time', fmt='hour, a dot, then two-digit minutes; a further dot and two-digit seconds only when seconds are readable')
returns 5.39.10
